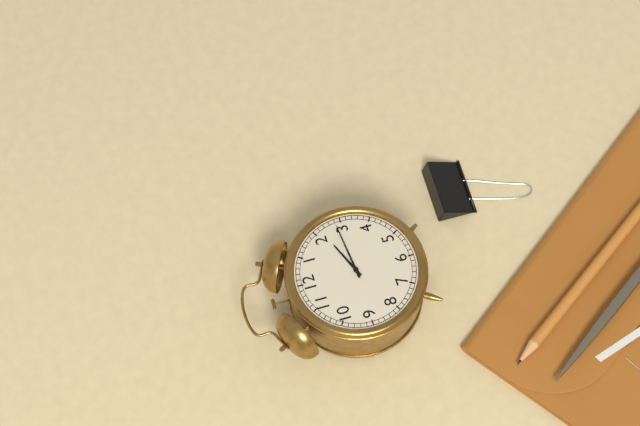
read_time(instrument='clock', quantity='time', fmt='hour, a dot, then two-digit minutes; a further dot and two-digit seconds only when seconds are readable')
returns 2.14
